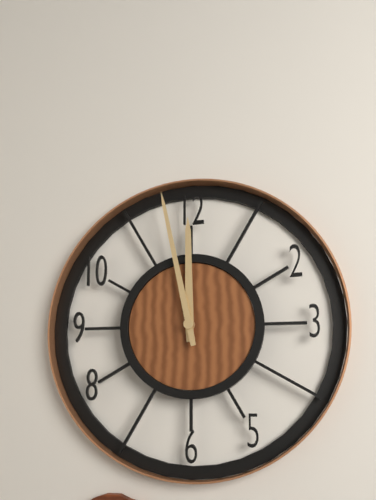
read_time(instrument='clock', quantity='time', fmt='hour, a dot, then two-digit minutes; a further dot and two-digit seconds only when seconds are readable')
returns 11.58
